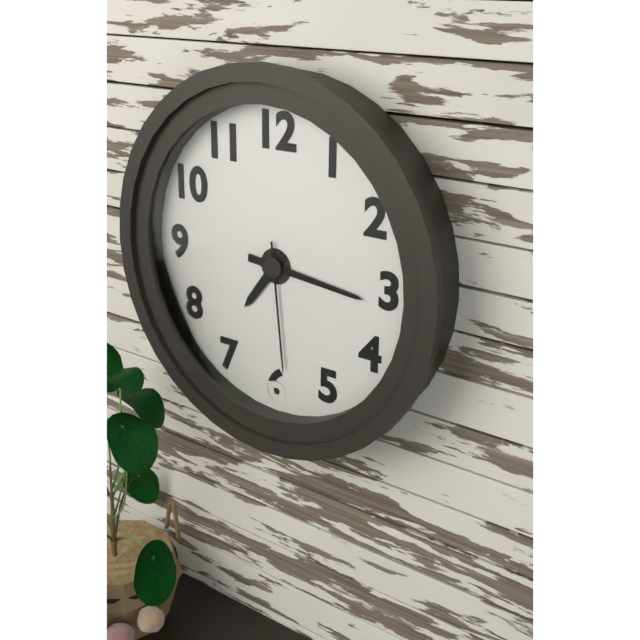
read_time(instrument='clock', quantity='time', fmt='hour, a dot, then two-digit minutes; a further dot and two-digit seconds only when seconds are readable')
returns 7.16.29
